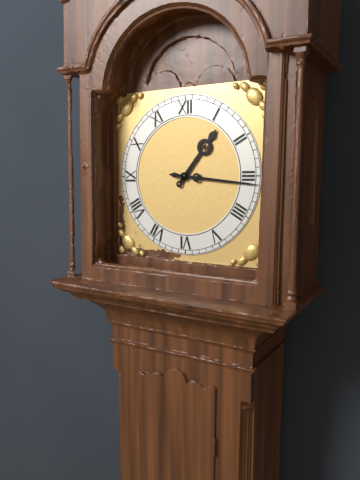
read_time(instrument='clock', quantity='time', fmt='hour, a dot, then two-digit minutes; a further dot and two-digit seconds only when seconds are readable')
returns 1.16
